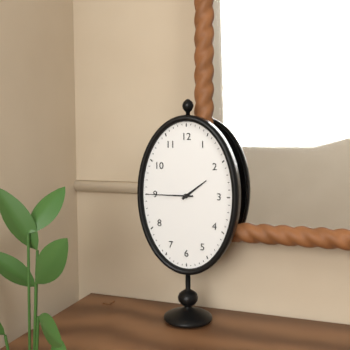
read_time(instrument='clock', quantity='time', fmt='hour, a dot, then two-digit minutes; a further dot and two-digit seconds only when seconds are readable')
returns 1.45
